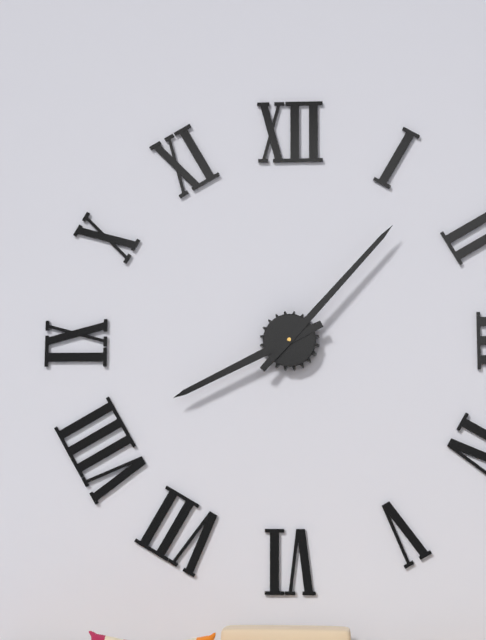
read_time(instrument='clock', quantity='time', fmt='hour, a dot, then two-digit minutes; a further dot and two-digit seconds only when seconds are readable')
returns 8.07
